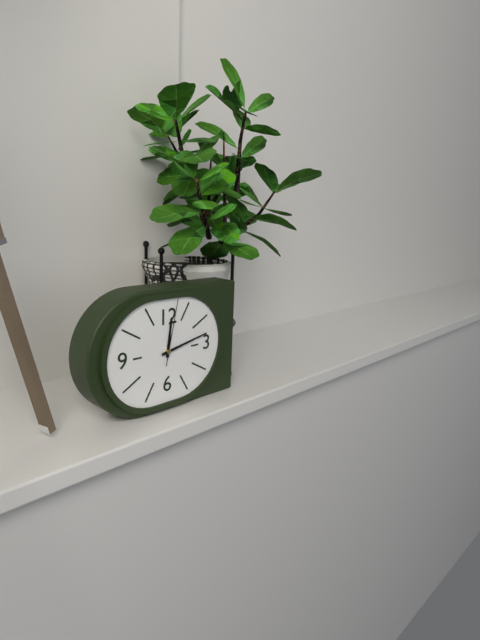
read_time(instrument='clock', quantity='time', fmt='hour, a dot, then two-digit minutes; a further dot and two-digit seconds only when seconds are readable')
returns 12.13.02
